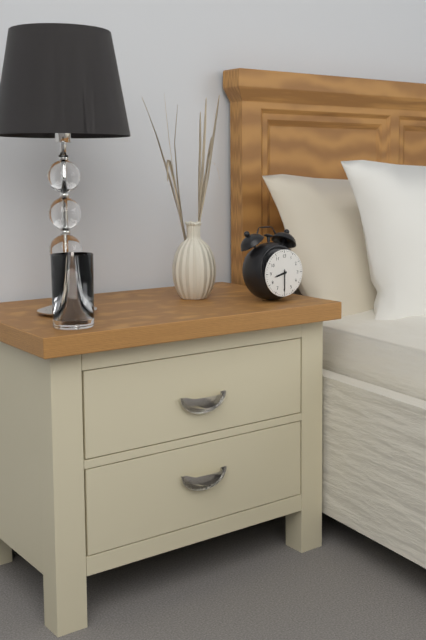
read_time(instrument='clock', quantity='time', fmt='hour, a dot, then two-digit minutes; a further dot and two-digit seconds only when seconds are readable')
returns 8.30
